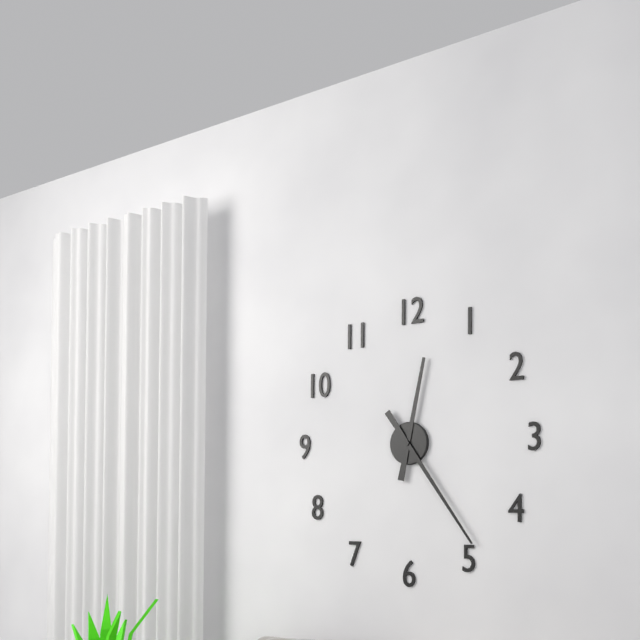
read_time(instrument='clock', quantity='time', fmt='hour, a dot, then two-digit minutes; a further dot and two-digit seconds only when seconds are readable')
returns 12.24
